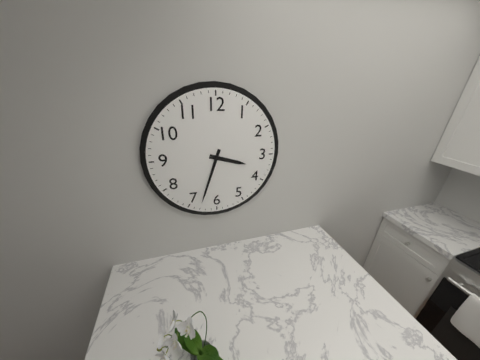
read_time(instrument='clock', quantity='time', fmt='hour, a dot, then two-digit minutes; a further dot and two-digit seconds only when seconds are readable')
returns 3.33
